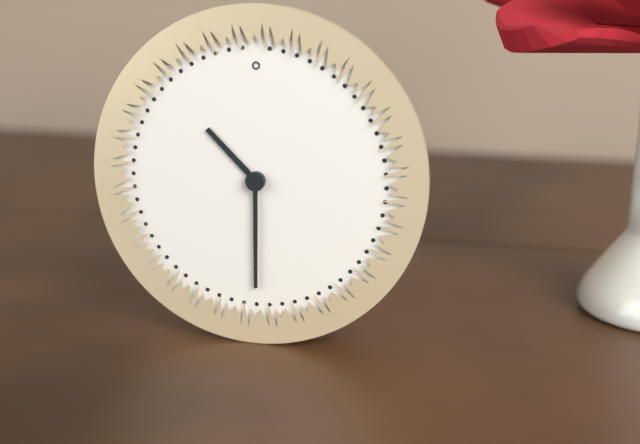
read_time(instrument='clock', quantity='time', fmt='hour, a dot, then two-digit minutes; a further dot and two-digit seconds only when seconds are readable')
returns 10.30
